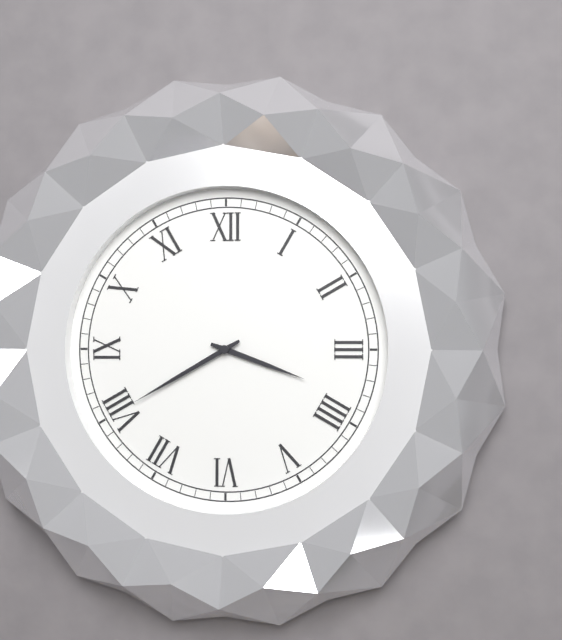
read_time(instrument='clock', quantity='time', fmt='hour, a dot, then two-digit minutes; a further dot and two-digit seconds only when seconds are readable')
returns 3.40
